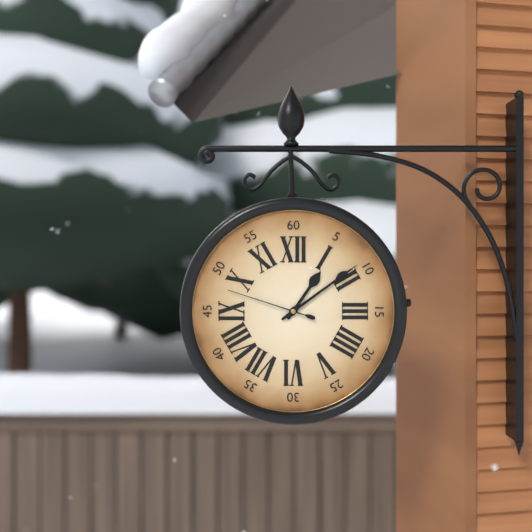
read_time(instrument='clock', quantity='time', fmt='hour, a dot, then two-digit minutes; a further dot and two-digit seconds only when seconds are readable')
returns 1.09.48
